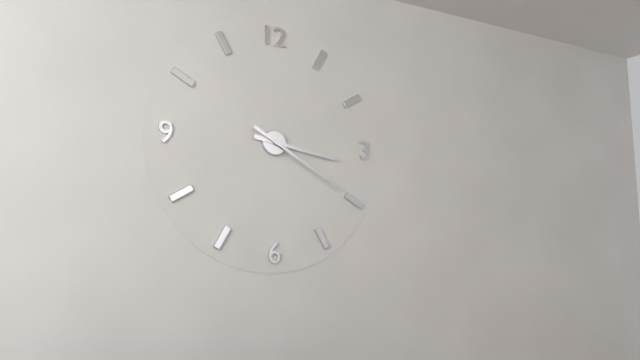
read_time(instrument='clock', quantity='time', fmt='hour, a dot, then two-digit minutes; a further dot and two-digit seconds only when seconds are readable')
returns 3.20
